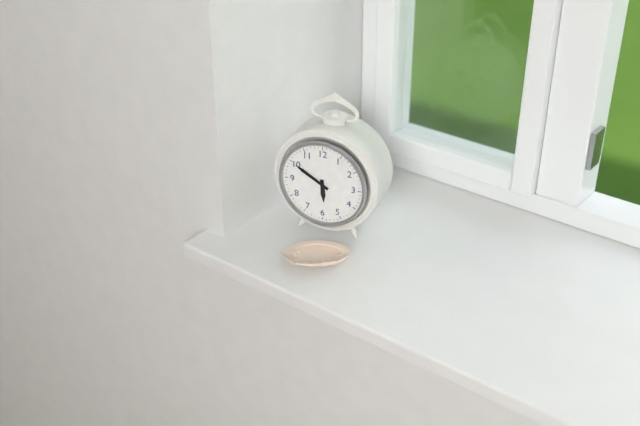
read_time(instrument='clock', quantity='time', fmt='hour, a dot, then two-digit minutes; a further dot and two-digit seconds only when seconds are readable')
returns 5.50
